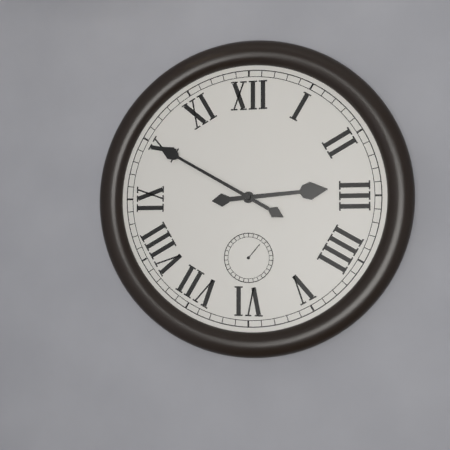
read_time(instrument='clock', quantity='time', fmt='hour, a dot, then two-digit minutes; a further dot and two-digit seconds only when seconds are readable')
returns 2.50
